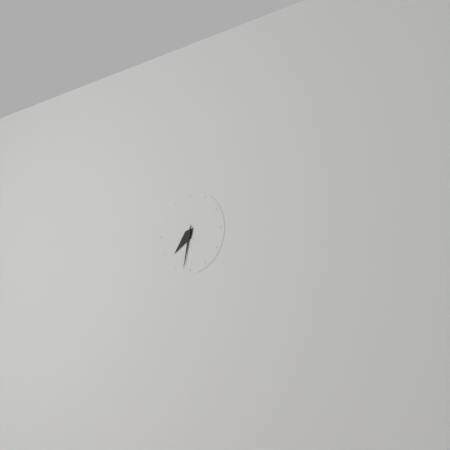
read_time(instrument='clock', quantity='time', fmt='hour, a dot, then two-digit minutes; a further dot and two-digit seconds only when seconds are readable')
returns 7.32
